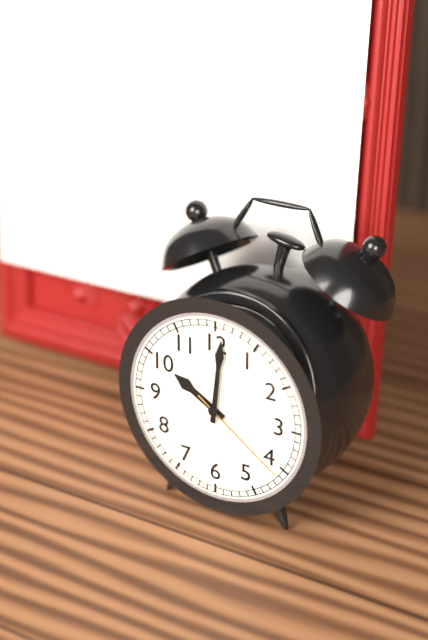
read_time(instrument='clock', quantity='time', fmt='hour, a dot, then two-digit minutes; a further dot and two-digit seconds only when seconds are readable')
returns 10.01.21
